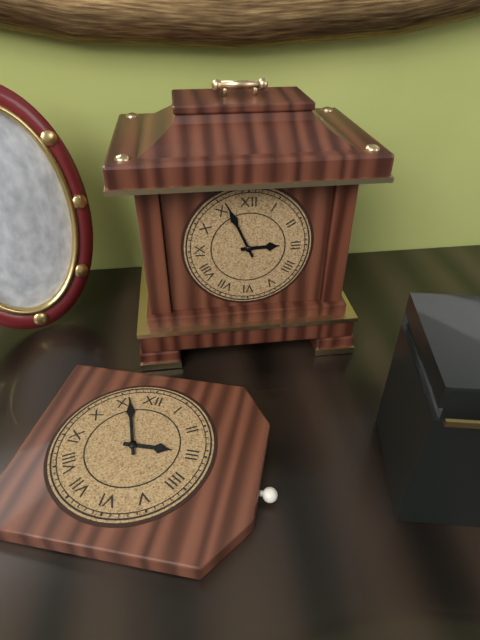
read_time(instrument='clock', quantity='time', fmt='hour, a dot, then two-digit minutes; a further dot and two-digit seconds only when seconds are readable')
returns 2.56
